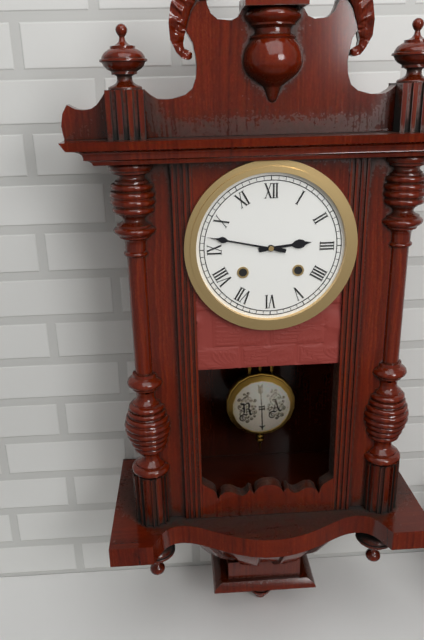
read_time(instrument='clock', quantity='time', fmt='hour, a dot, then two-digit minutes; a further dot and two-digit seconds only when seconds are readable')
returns 2.47
